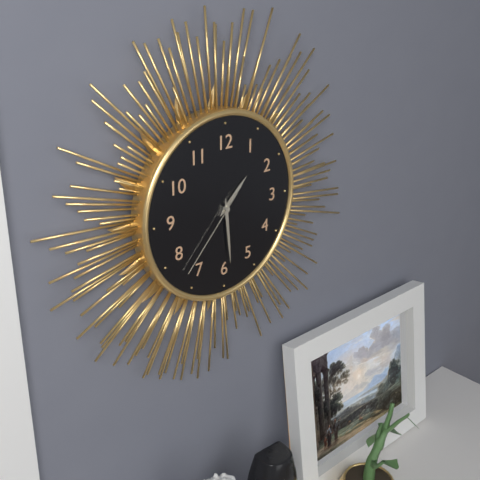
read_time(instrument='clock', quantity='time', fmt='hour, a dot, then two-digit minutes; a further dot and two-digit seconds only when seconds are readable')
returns 1.29.37
